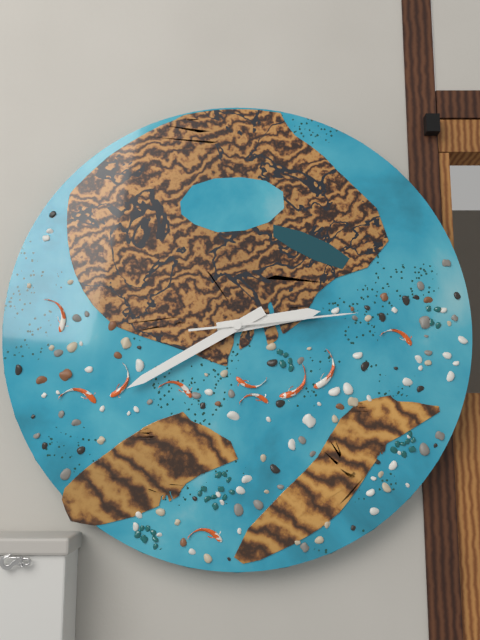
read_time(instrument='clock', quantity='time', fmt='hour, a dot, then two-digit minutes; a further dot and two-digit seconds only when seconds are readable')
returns 2.40.14
